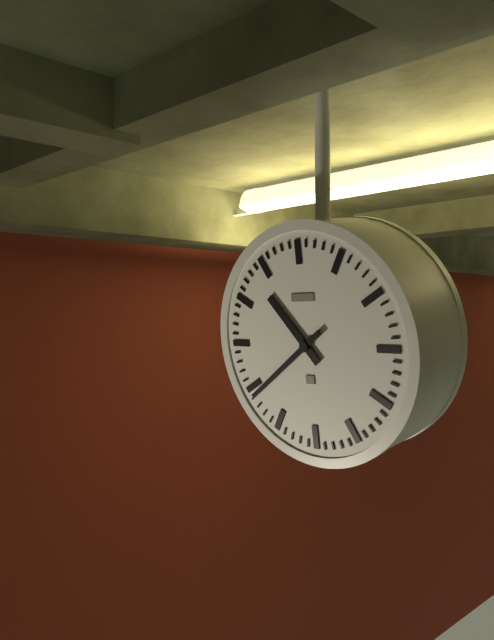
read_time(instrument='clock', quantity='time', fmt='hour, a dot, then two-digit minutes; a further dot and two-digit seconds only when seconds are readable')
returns 10.39
